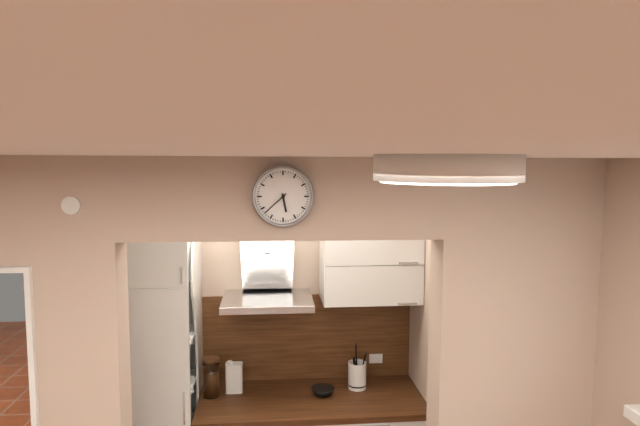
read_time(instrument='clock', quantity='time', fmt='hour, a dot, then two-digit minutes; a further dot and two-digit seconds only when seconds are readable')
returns 5.38
